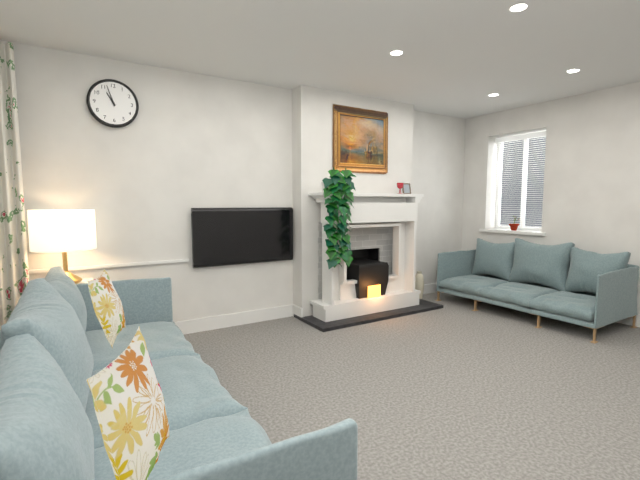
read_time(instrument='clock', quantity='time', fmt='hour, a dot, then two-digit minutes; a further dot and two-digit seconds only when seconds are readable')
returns 10.57
